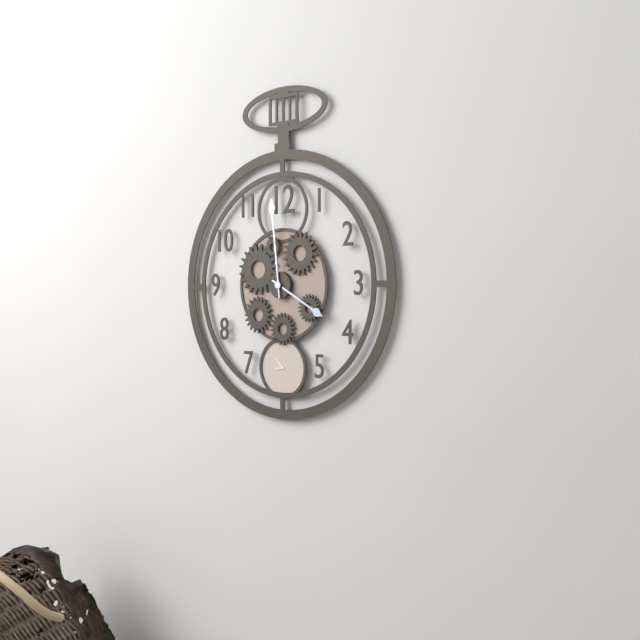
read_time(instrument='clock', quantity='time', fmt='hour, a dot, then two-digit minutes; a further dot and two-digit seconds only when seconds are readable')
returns 3.59
